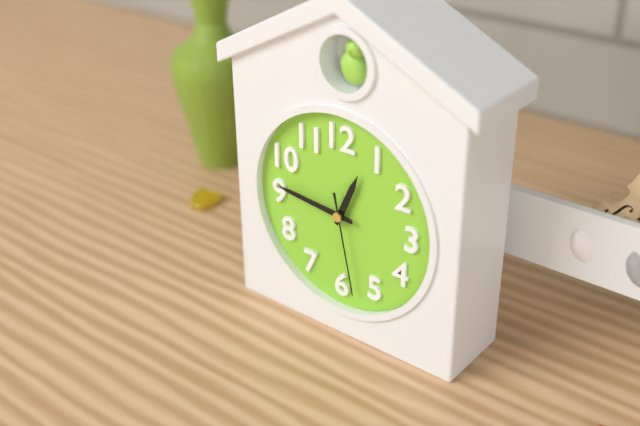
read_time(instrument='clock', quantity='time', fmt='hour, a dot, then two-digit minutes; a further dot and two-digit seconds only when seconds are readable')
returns 12.46.28
